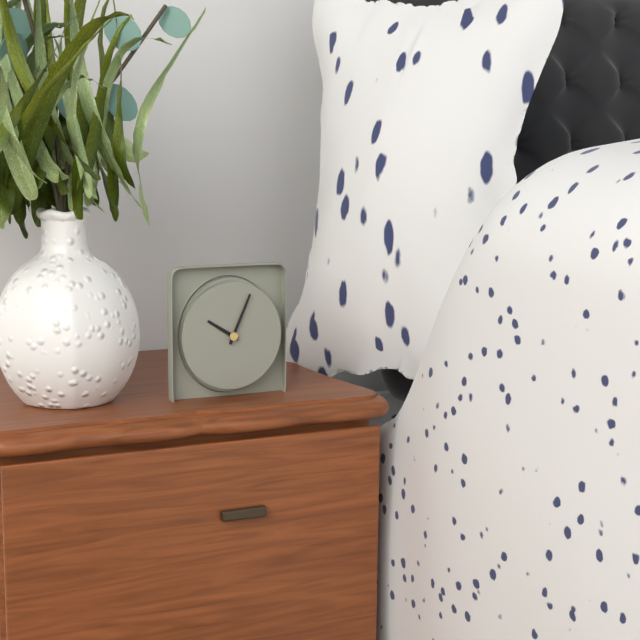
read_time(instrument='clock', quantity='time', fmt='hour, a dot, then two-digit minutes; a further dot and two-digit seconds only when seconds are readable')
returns 10.04
